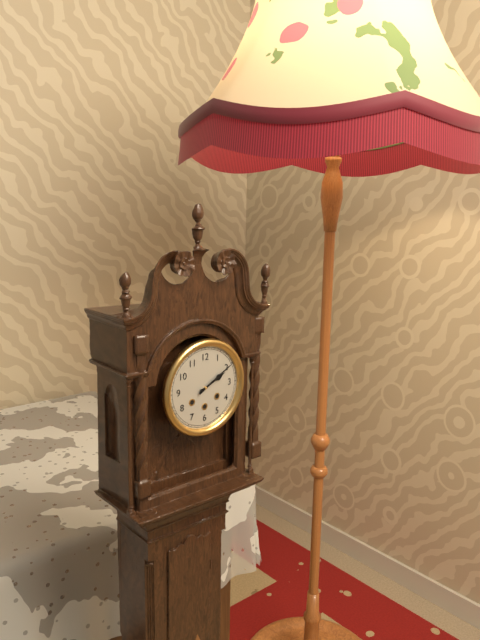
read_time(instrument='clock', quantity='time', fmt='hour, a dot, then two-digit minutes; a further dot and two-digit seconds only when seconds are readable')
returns 2.10
